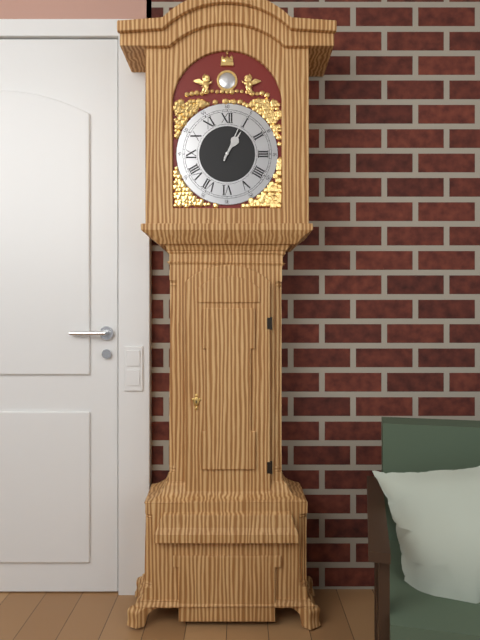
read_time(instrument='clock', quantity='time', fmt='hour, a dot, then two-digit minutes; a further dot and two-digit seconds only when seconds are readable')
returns 1.04
